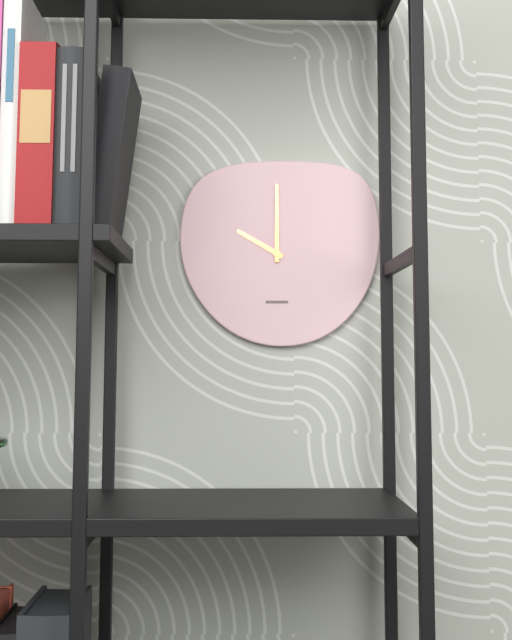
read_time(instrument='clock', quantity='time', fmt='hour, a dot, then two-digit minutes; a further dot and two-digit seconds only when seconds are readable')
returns 10.00
